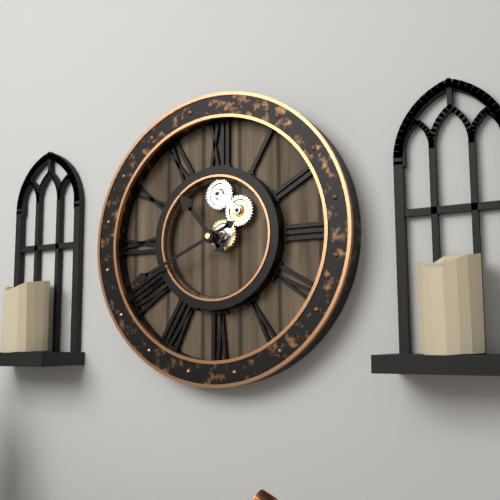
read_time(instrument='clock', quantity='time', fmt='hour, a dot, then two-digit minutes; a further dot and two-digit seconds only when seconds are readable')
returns 10.41
